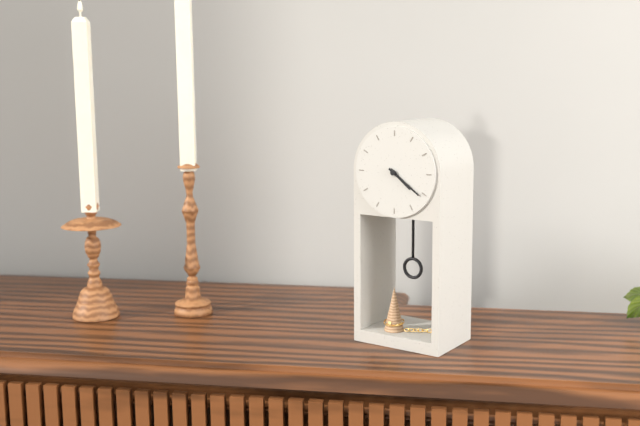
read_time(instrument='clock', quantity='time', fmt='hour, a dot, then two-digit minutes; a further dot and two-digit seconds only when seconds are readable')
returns 4.21
